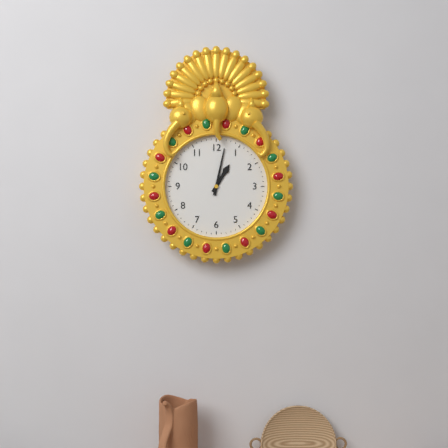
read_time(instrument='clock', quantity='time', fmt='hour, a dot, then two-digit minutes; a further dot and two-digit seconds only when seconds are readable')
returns 1.02
